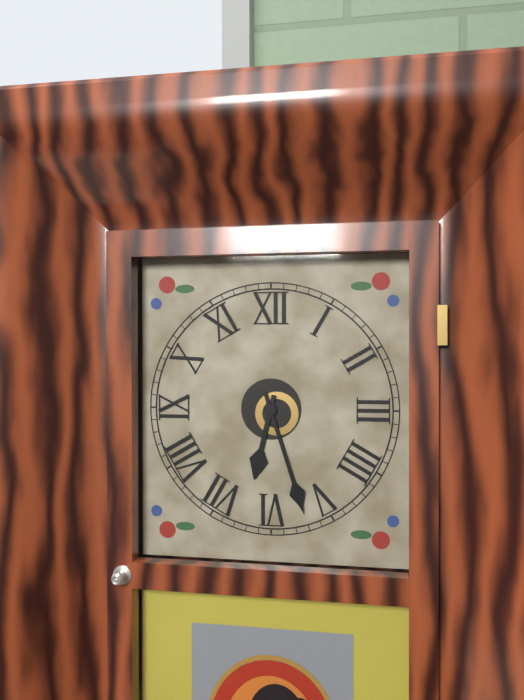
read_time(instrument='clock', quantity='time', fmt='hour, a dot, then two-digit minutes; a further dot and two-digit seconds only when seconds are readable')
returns 6.27
